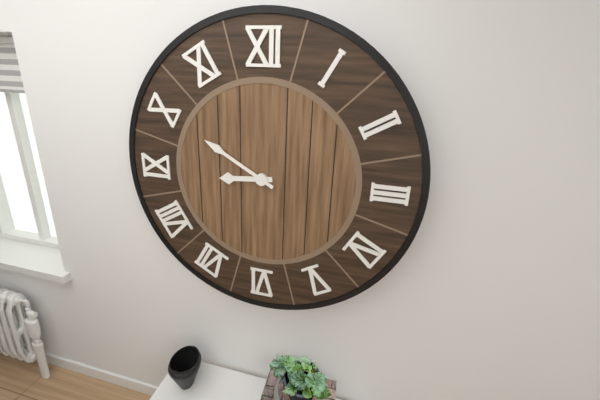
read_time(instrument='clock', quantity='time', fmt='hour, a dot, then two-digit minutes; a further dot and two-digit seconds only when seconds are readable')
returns 8.50
